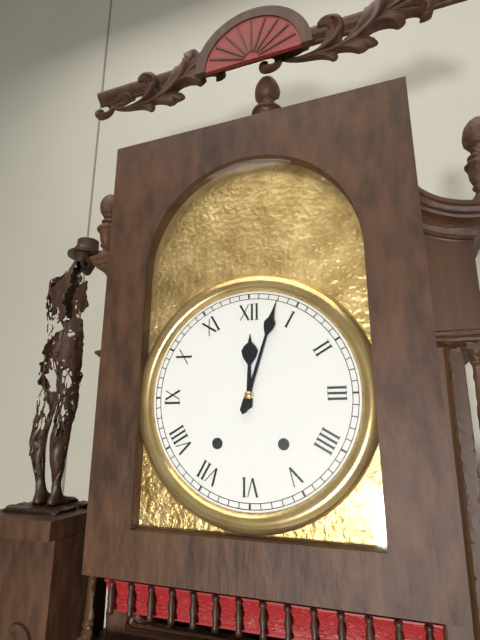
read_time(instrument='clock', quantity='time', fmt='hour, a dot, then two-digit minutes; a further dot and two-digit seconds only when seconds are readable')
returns 12.03
